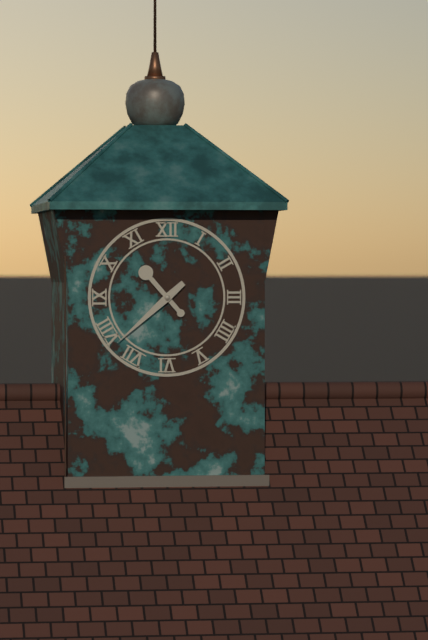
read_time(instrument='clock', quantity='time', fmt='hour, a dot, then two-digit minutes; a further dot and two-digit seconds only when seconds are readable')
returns 10.38
